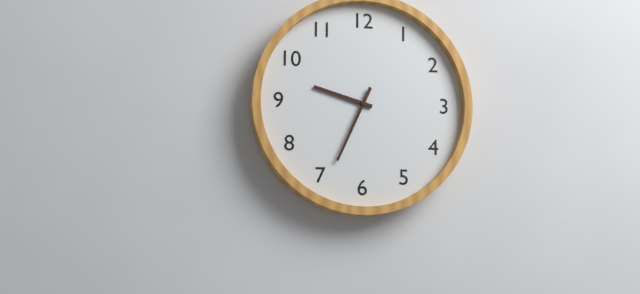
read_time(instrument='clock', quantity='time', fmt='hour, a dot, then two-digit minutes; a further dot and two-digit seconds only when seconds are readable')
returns 9.34
